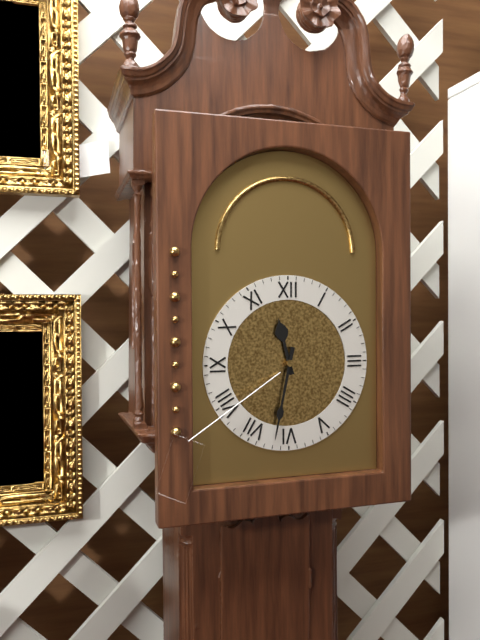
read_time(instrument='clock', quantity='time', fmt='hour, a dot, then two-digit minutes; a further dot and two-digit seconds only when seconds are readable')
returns 11.32
